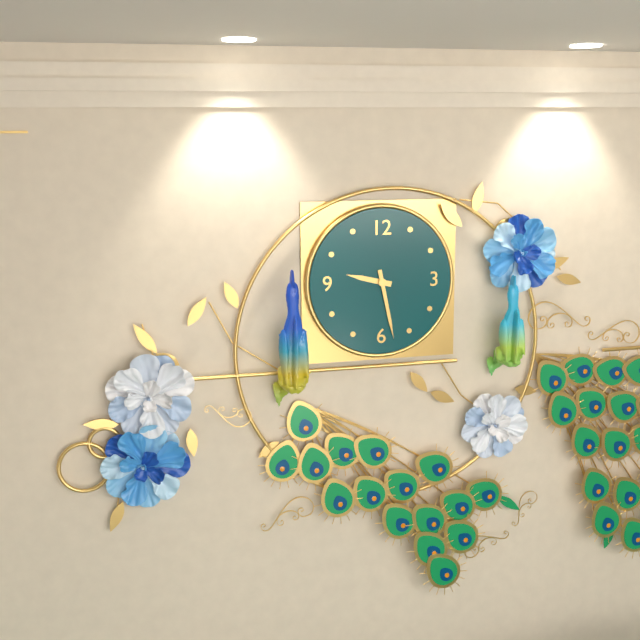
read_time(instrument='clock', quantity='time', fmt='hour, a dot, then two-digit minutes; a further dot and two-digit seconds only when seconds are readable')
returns 9.28
